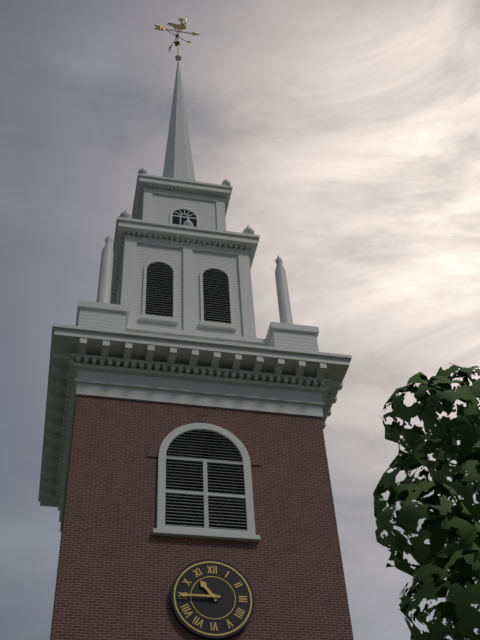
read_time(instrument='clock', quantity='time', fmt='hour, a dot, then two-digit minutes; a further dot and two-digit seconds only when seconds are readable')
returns 10.45
